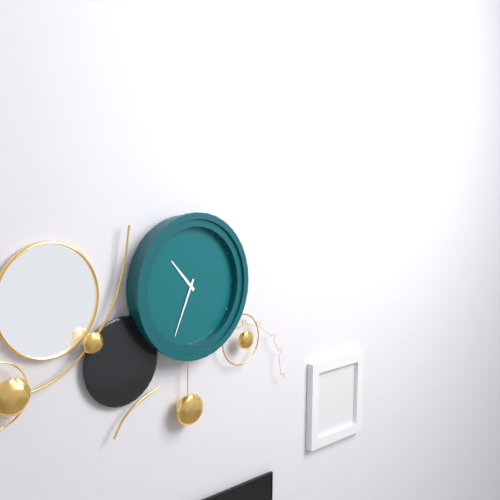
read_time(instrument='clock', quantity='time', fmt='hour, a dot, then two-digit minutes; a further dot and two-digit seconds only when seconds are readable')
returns 10.34
